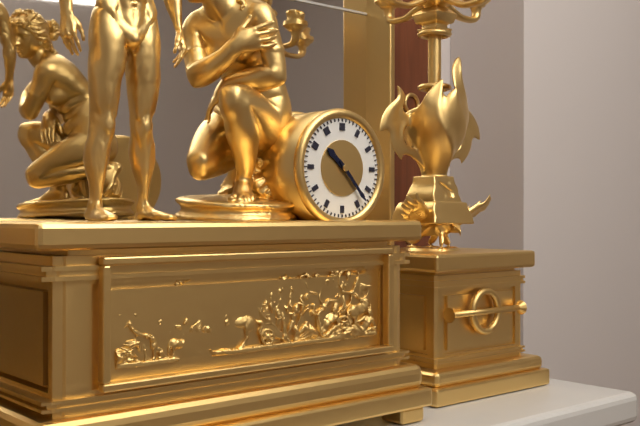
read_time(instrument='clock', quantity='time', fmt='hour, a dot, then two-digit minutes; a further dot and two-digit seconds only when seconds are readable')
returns 10.23
